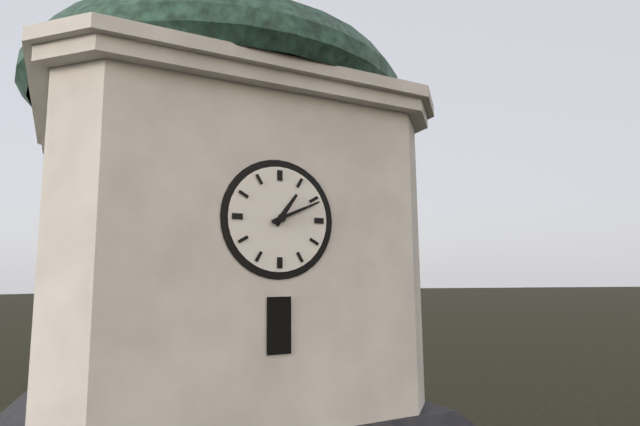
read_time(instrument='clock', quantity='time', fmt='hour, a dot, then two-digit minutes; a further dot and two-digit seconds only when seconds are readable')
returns 1.11
